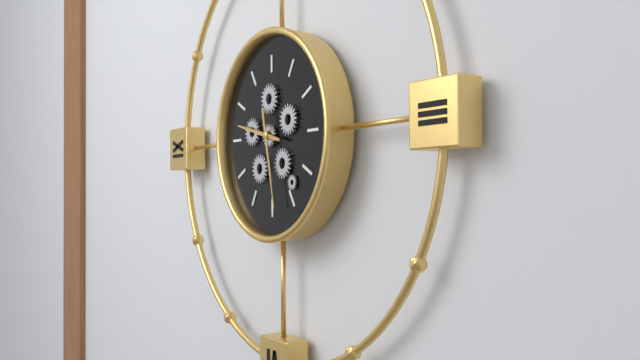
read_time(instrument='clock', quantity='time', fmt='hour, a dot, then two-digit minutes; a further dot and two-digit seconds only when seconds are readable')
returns 9.28
